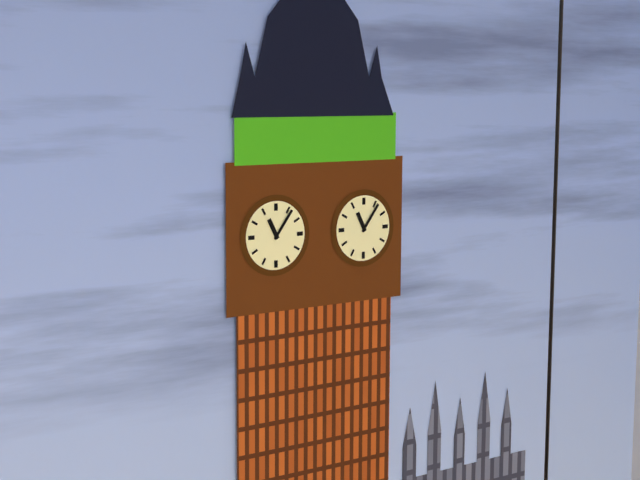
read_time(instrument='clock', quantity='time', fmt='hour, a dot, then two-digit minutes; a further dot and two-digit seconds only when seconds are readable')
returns 11.06
